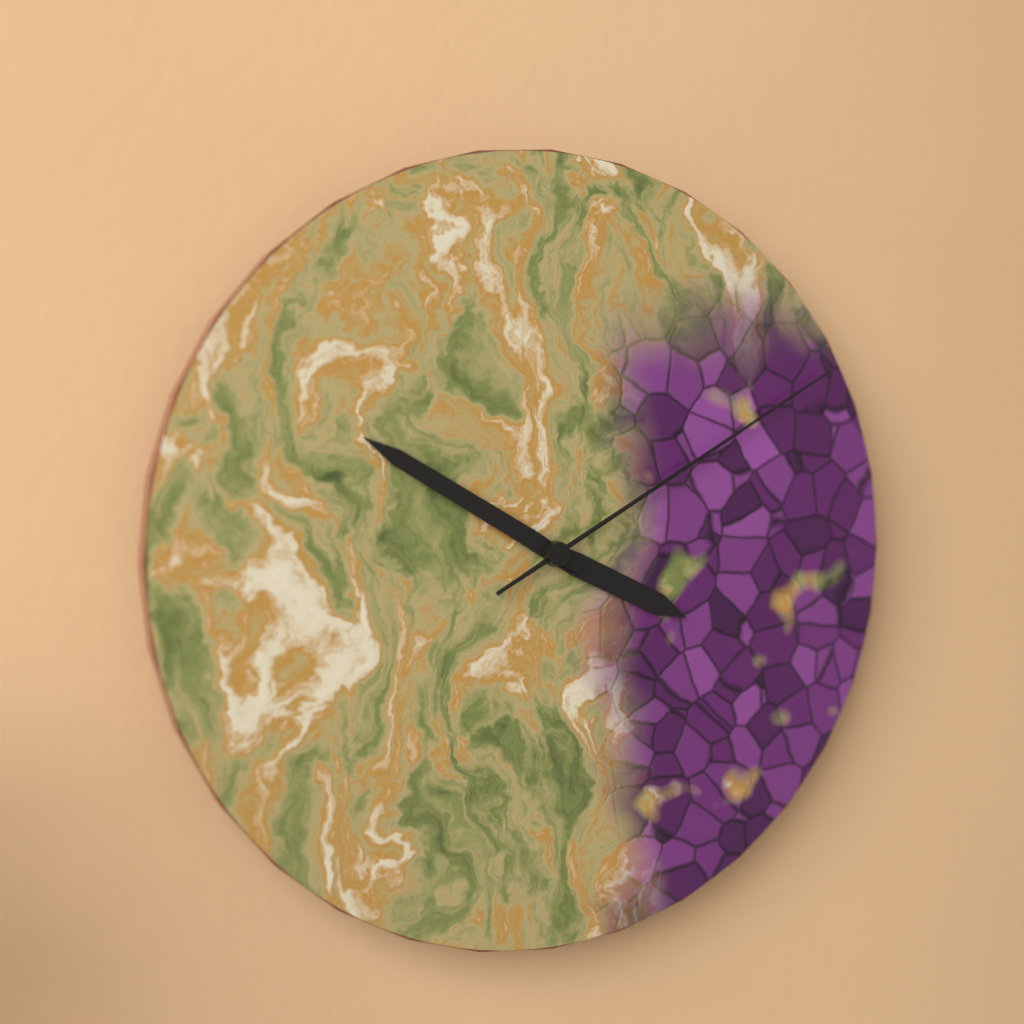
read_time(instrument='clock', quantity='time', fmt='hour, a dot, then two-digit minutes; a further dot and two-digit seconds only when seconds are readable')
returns 3.50.10
